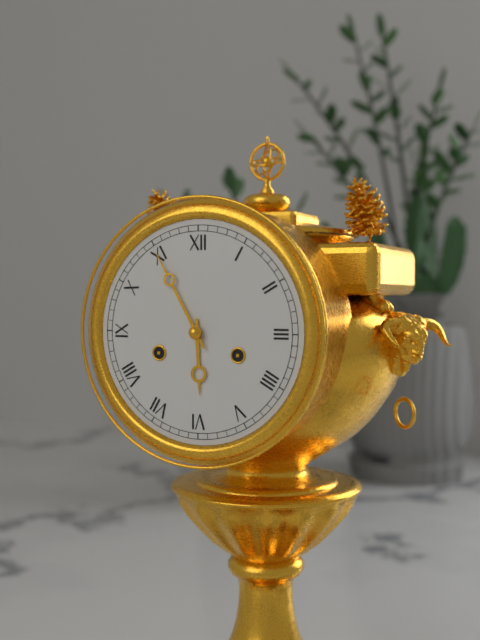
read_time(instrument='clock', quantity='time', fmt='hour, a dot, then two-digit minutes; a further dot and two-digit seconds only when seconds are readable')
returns 5.55
